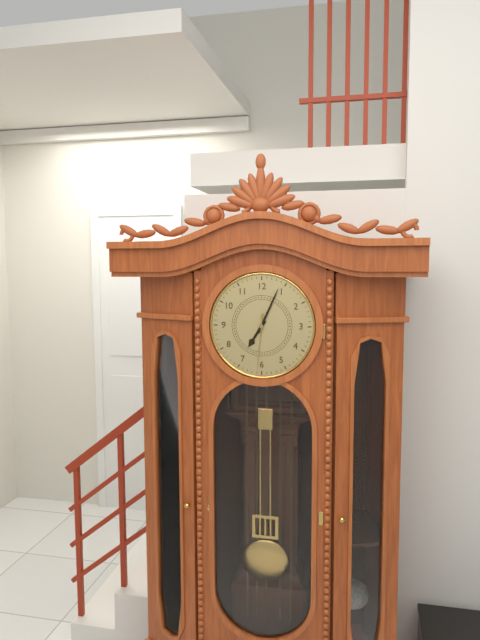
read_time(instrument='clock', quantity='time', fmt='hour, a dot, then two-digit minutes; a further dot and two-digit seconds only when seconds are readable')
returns 7.04.31
